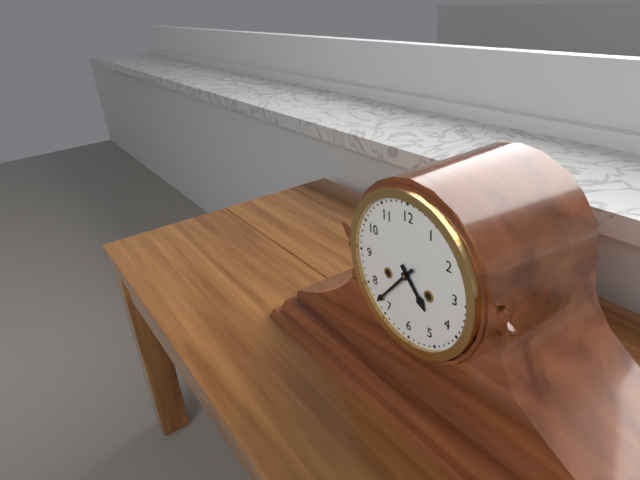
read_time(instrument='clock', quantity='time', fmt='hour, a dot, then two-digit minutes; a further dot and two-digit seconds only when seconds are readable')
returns 4.37
